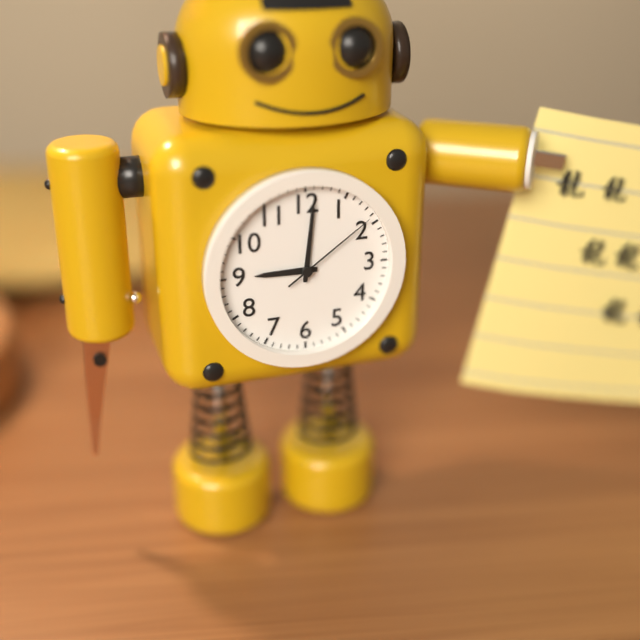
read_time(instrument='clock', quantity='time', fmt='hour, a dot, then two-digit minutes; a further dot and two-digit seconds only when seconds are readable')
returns 9.01.09
